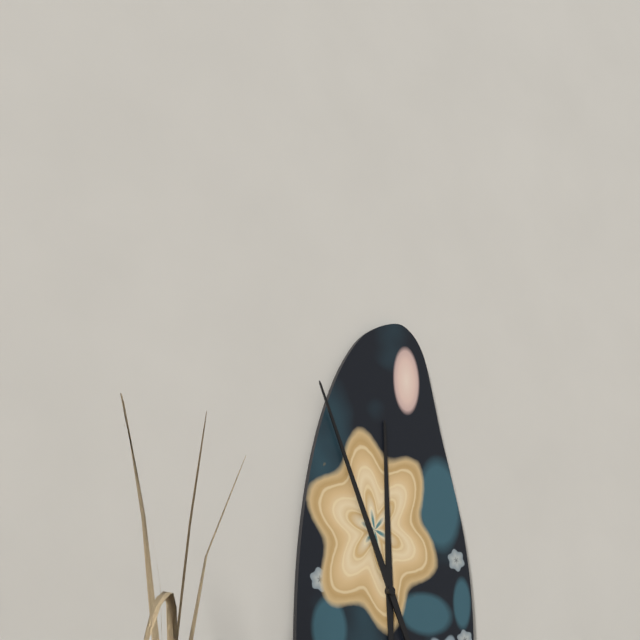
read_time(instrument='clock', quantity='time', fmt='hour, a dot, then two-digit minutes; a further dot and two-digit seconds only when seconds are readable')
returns 11.56
